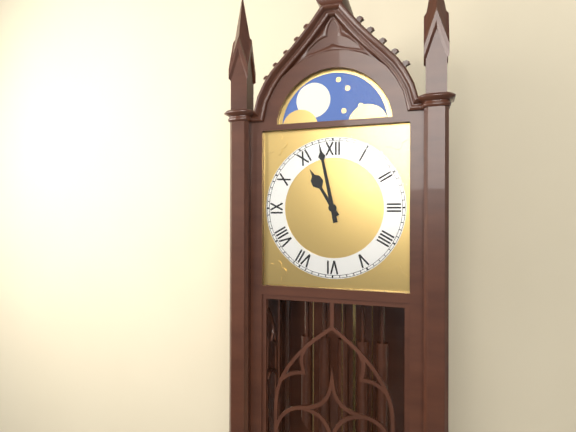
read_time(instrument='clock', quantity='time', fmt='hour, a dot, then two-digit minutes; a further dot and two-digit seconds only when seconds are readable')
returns 10.58
